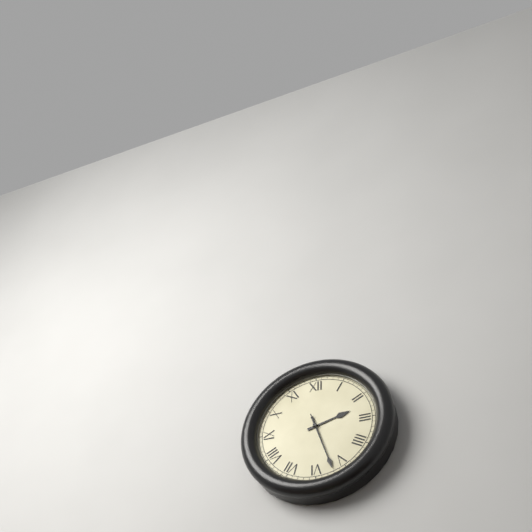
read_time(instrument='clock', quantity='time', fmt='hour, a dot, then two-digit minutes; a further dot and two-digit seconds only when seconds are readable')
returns 2.27.27
